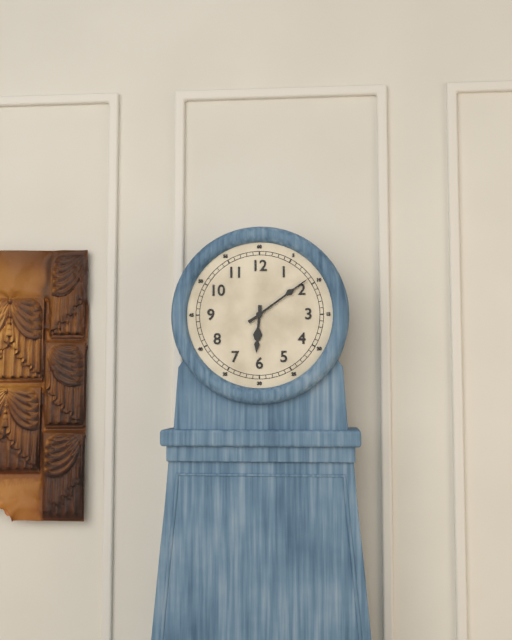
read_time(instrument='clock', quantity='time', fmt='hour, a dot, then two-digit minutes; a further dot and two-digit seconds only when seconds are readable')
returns 6.09
